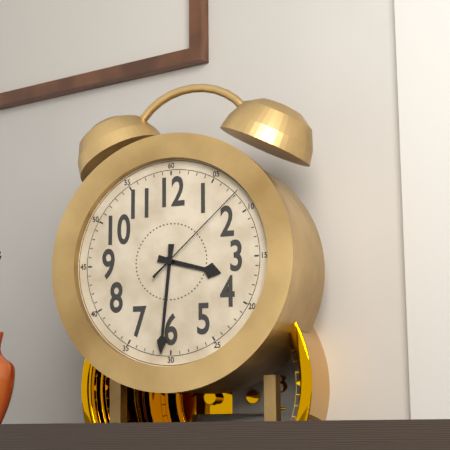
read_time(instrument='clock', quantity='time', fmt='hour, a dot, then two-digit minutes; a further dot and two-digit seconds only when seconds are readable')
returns 3.31.08
